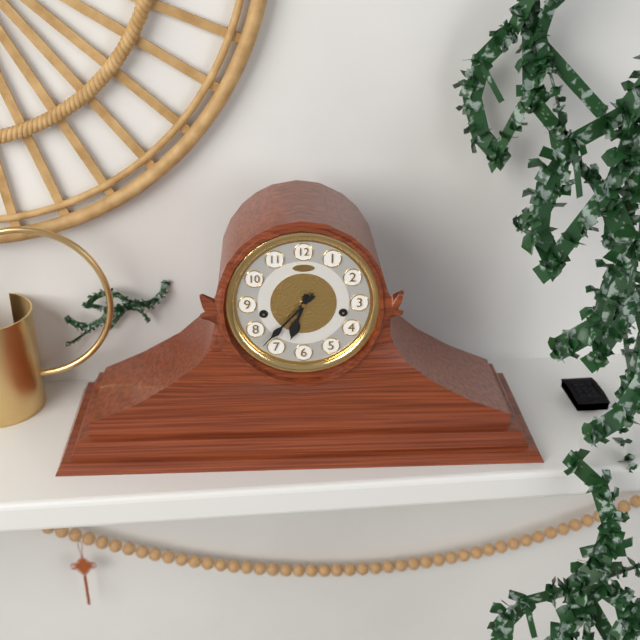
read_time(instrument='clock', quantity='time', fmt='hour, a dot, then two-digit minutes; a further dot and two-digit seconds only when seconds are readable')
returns 6.37
